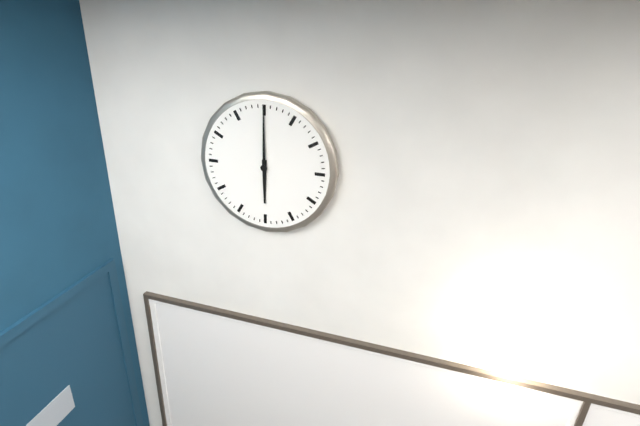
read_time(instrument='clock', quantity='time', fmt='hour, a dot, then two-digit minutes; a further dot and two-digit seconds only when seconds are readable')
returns 6.00
